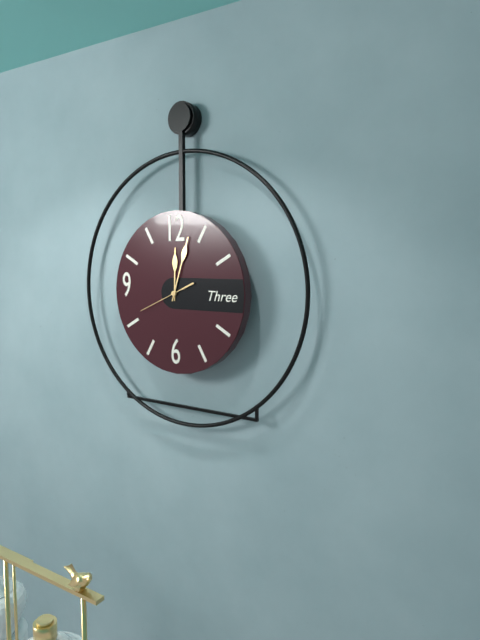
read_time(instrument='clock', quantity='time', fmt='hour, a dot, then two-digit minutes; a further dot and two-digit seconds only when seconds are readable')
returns 12.03.41
